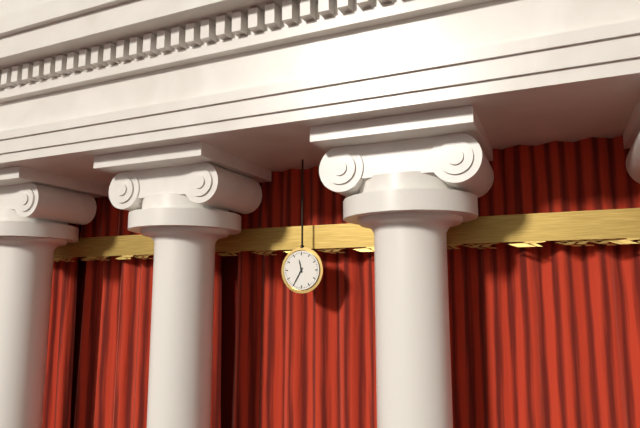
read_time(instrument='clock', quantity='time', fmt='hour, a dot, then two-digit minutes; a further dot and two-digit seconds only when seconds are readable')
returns 11.35
